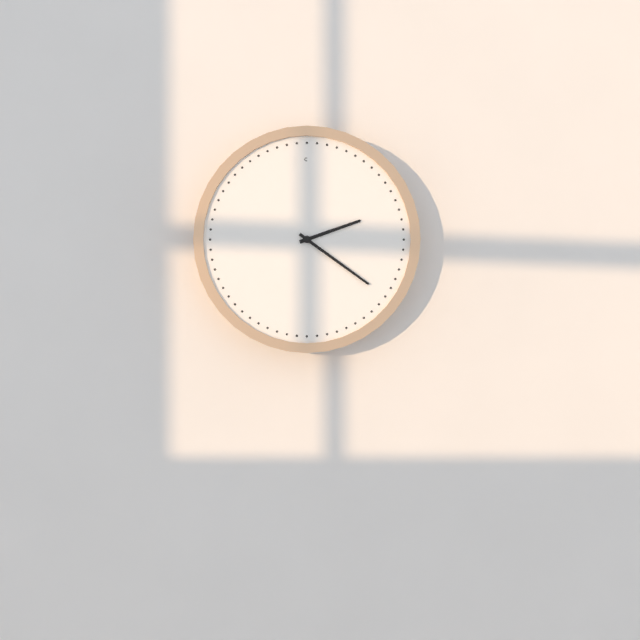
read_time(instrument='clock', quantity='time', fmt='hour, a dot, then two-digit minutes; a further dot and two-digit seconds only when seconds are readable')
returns 2.21
